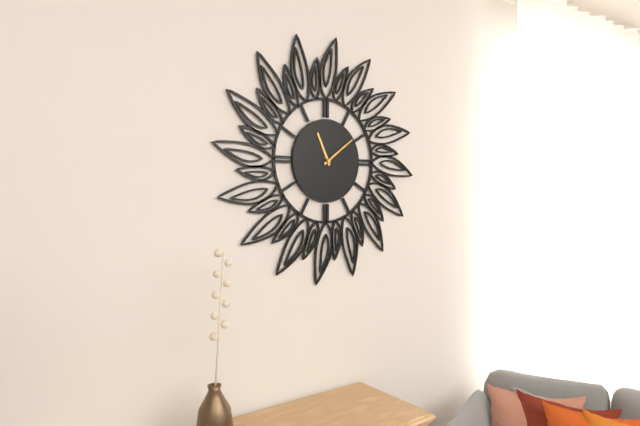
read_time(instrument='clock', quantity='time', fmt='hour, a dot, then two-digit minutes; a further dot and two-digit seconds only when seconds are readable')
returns 11.09
